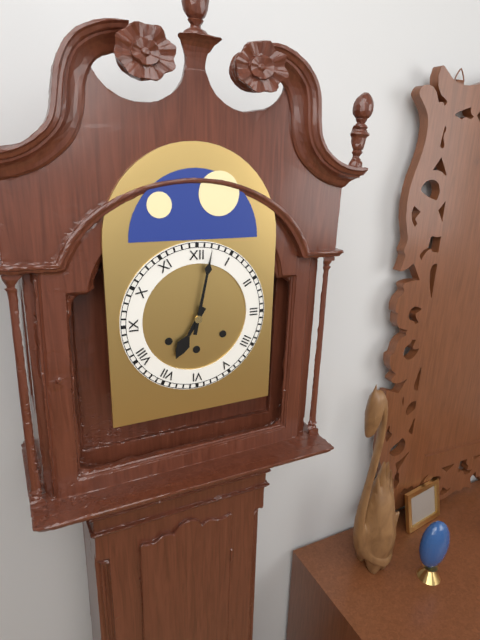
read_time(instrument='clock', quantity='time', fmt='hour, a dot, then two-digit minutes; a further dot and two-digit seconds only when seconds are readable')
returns 7.02
